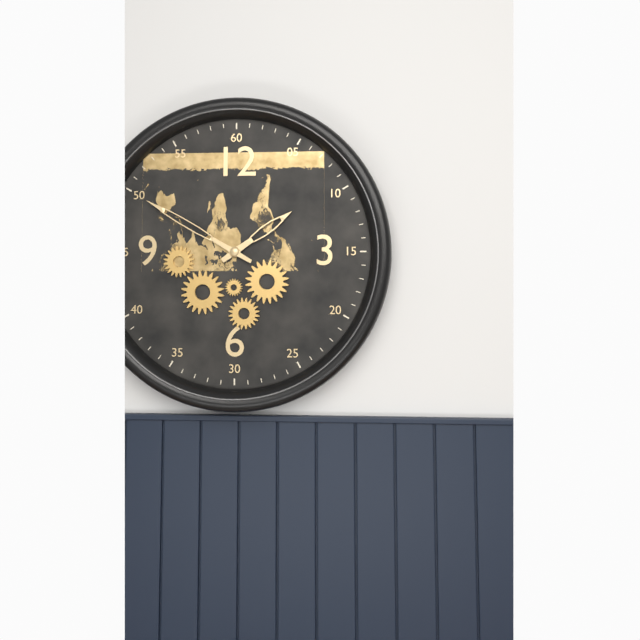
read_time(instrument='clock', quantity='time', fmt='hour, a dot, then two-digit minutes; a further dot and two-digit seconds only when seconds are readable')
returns 1.50
